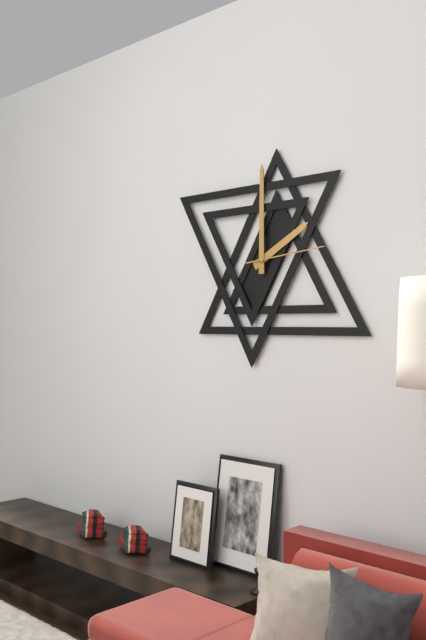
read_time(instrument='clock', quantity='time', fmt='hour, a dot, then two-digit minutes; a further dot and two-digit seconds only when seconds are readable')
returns 2.00.14
